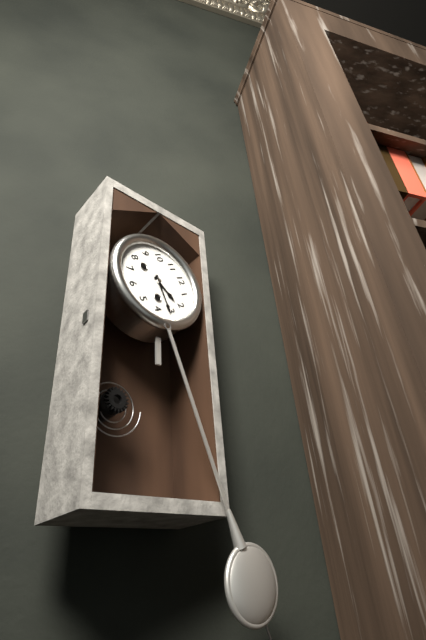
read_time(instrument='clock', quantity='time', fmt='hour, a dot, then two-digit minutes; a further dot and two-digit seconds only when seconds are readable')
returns 2.16
